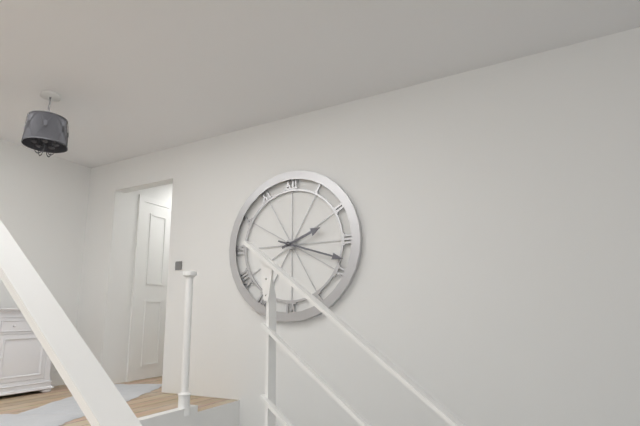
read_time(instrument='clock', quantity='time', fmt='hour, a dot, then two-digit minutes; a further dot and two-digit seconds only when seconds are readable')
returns 2.18
